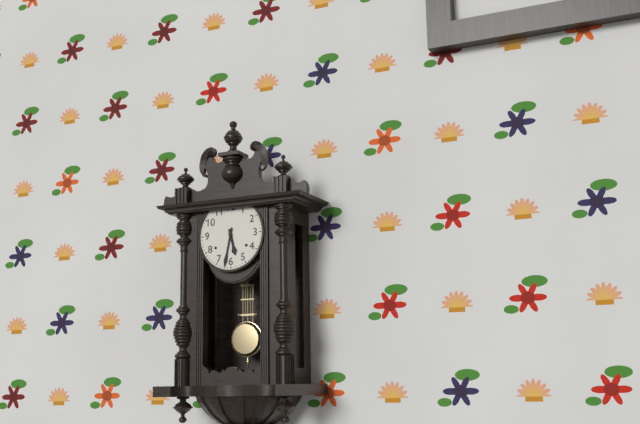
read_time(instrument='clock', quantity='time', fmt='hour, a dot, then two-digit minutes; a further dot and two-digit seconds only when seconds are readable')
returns 5.32
